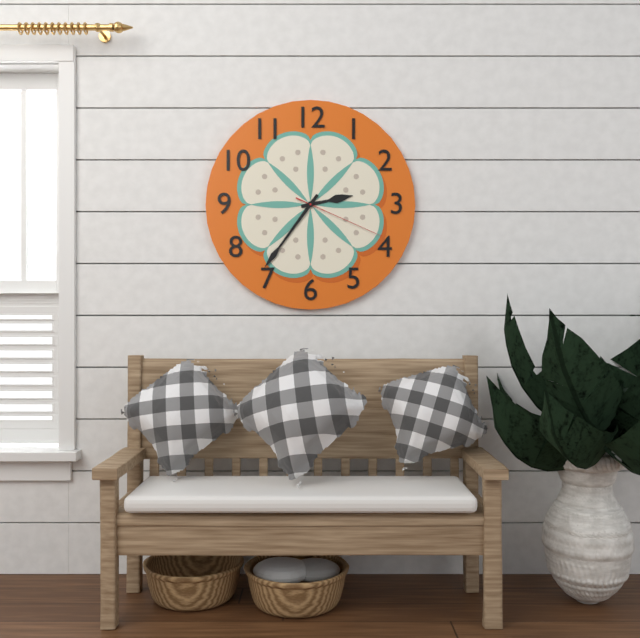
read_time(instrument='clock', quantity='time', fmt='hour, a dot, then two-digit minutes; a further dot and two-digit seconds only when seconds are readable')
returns 2.36.19
